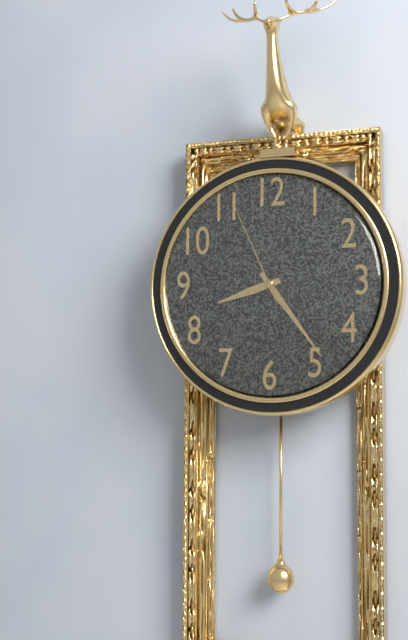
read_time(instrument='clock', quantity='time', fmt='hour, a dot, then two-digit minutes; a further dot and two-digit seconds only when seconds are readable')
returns 8.24.56
